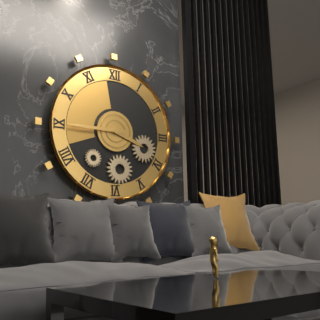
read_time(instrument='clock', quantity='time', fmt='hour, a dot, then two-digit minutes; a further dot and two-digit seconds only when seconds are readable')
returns 3.45
